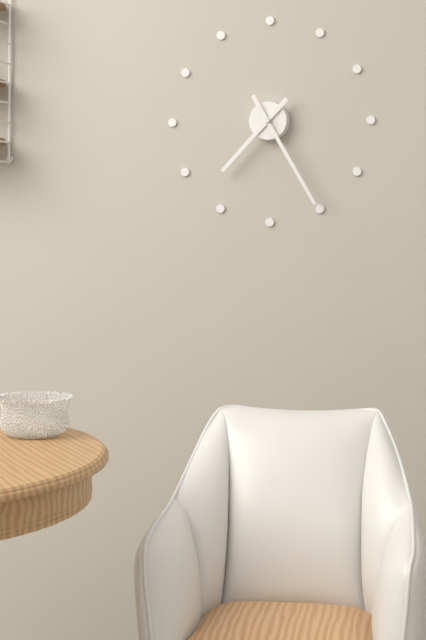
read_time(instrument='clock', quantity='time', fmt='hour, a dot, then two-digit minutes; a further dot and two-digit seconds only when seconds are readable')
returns 7.25
